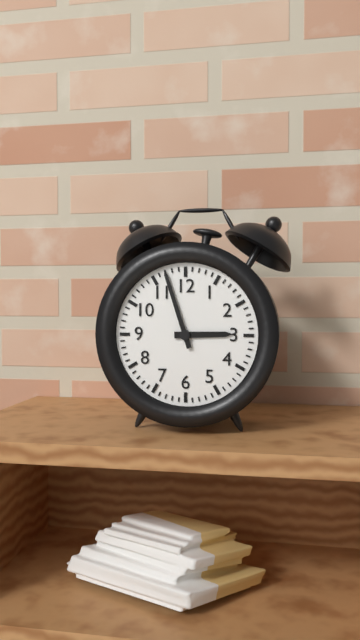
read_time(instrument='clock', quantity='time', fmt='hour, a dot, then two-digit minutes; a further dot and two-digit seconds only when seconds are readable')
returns 2.57
